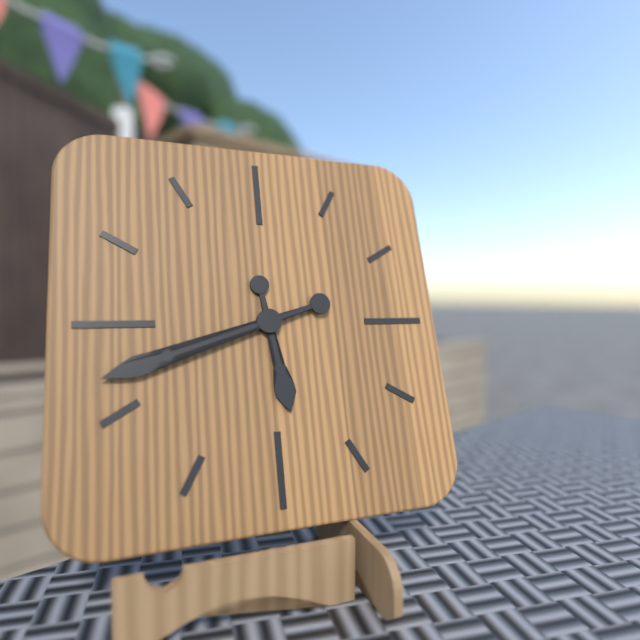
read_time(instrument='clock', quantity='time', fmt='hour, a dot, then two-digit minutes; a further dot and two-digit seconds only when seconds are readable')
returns 5.42
